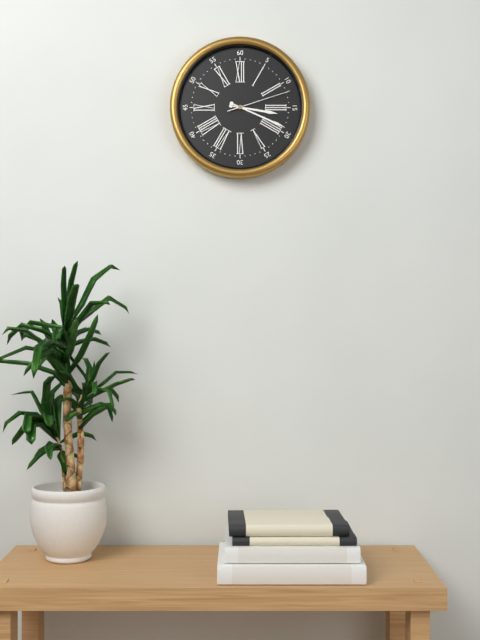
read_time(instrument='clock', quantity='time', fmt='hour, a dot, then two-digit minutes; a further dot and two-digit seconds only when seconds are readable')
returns 3.19.12
